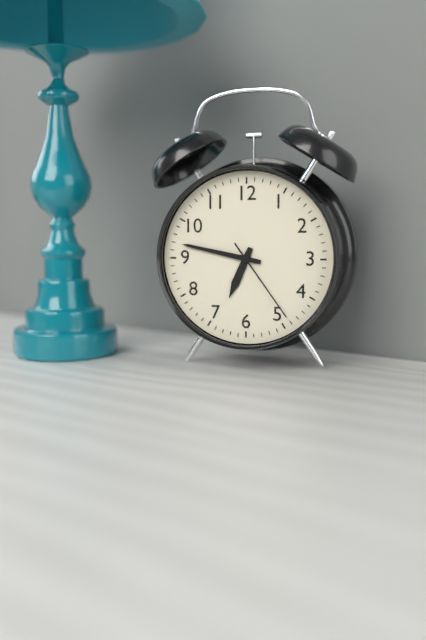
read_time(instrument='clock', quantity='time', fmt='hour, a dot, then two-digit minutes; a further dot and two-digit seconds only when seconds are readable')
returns 6.47.24
